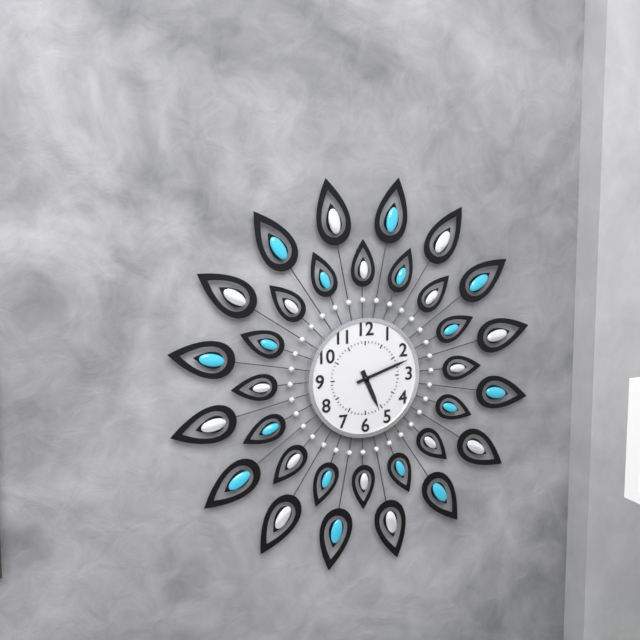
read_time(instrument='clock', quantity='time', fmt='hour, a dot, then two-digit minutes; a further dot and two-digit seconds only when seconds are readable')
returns 5.12
